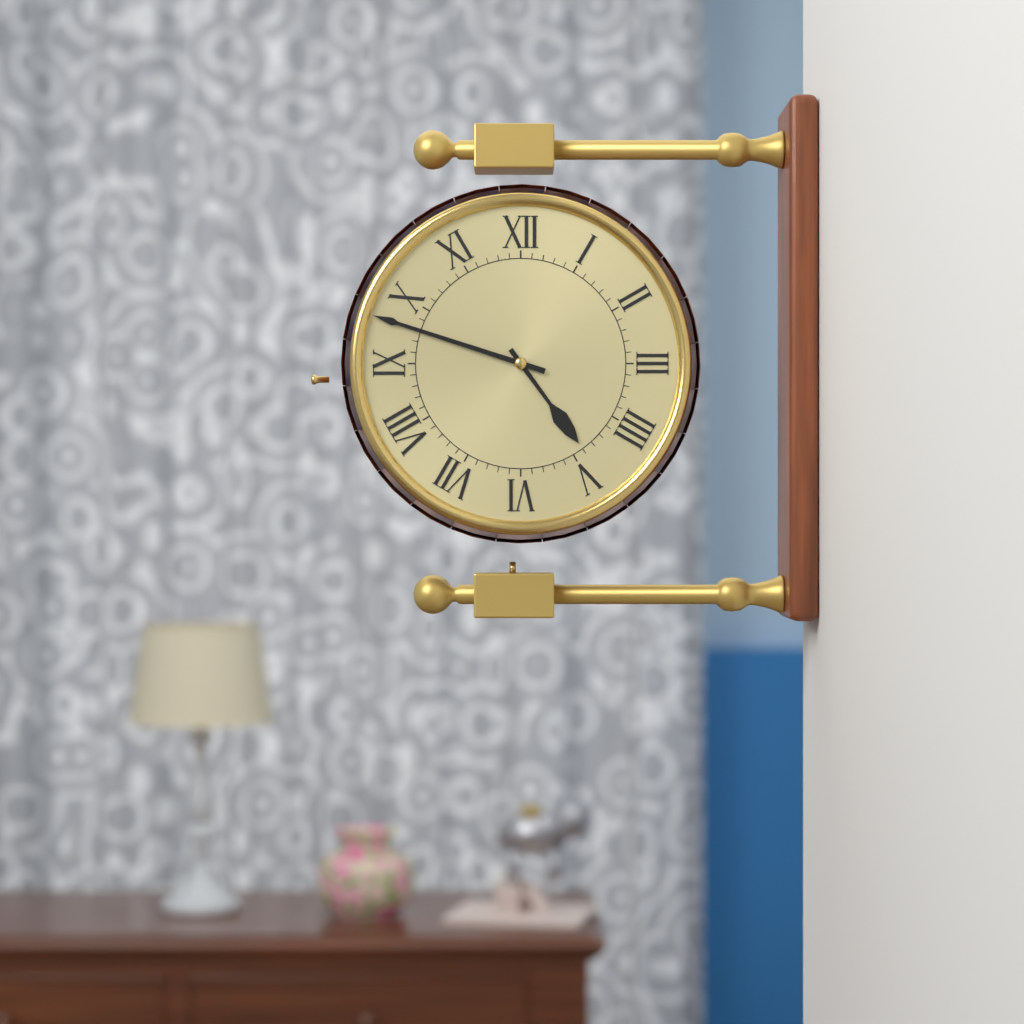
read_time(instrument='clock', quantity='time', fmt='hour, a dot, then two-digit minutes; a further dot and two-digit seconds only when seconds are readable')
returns 4.48
